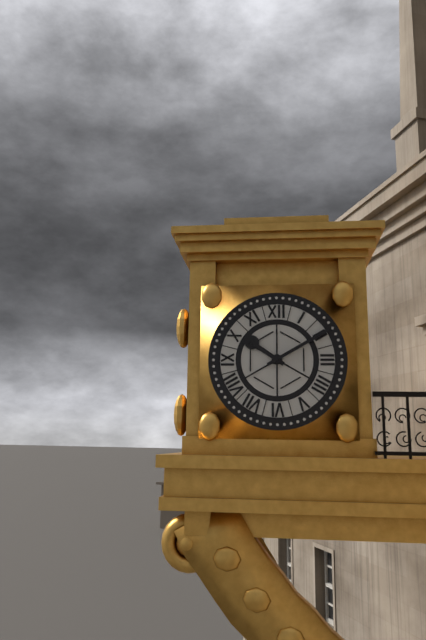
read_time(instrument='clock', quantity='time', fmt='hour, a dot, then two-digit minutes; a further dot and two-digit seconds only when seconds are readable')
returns 10.10
